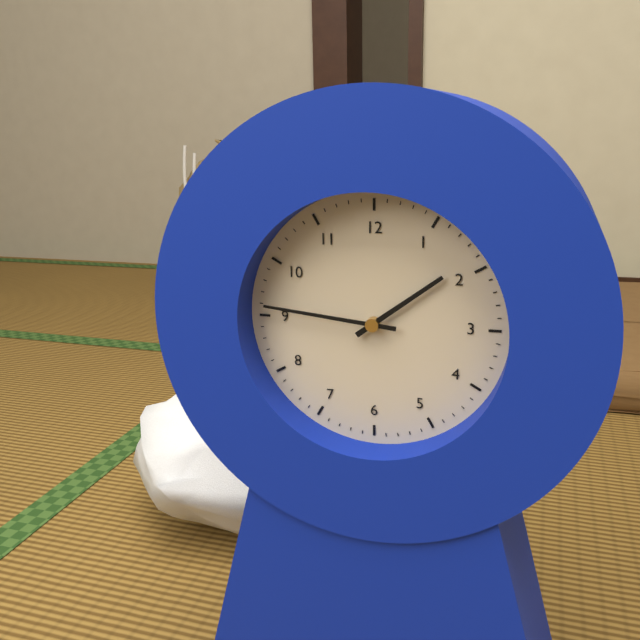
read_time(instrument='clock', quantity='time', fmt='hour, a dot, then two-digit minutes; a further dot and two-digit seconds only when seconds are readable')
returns 1.46
